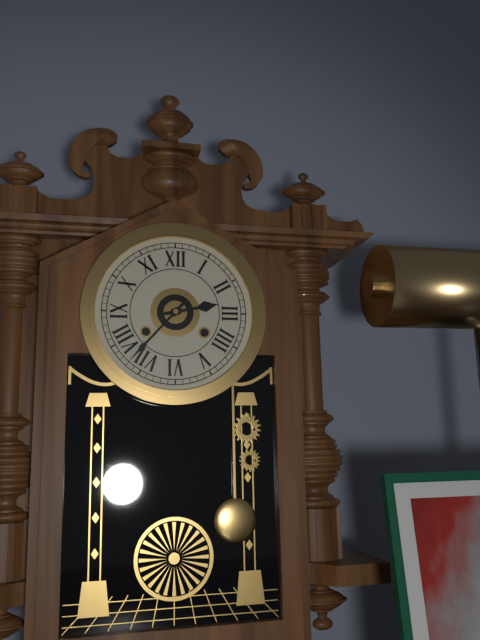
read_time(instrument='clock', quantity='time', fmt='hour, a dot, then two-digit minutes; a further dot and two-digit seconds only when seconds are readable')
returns 2.37
